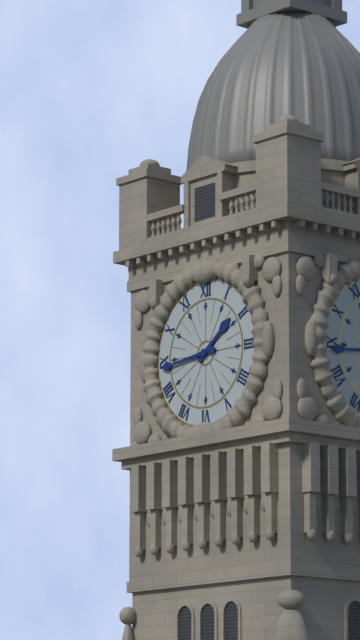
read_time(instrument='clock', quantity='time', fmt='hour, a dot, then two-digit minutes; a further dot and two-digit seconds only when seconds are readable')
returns 1.44
